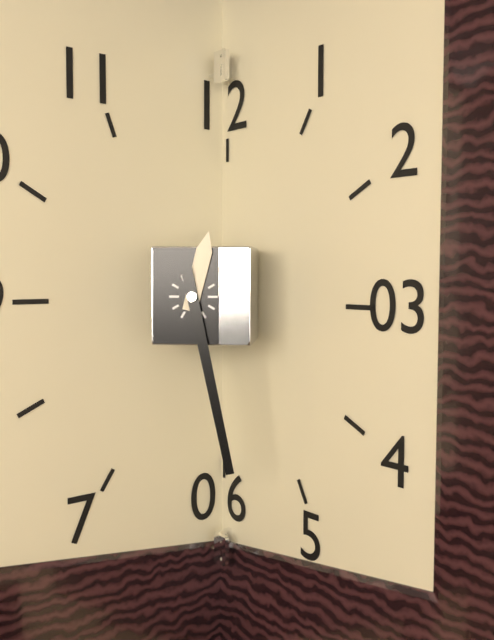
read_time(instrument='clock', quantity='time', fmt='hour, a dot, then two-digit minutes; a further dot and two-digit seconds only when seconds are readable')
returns 12.28
